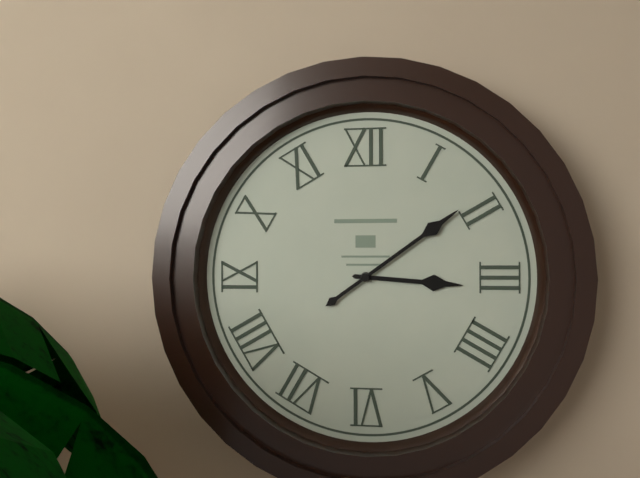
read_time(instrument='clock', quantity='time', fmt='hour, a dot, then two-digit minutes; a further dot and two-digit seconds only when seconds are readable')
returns 3.09
